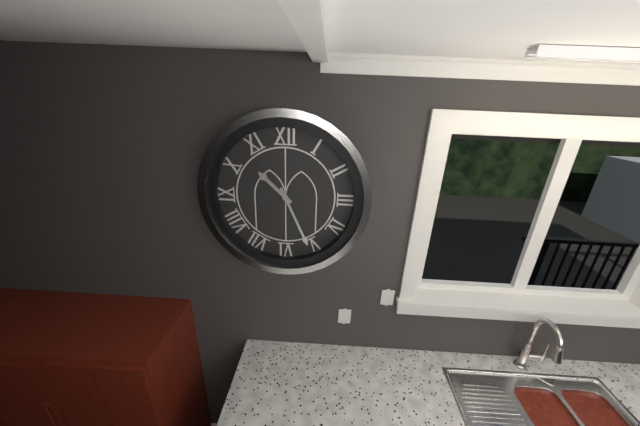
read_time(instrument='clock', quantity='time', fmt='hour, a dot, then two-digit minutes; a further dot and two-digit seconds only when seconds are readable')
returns 10.26
